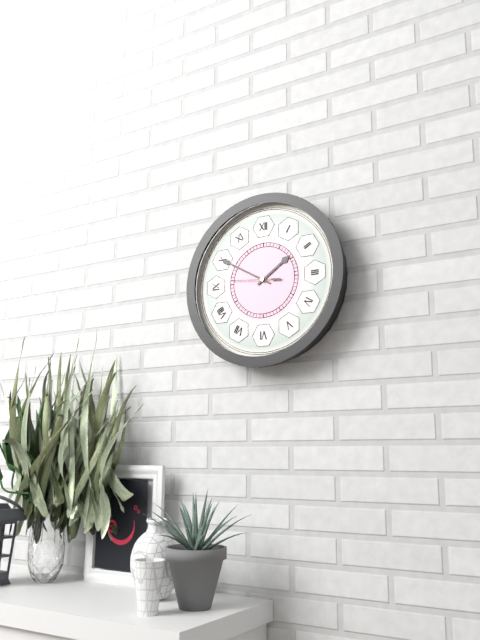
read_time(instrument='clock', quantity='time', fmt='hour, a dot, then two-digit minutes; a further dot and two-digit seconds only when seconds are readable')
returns 1.50
